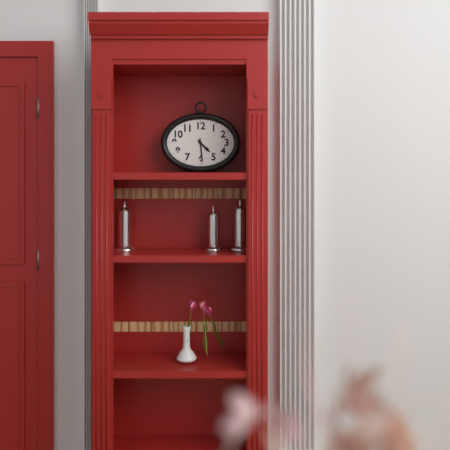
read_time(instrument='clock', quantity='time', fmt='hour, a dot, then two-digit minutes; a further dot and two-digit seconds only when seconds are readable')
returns 4.29
